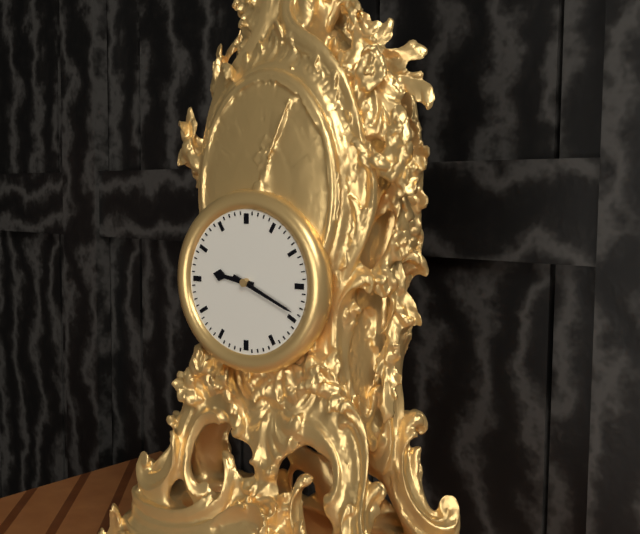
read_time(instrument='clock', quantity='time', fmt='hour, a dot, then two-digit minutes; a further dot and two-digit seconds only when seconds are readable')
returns 9.19
